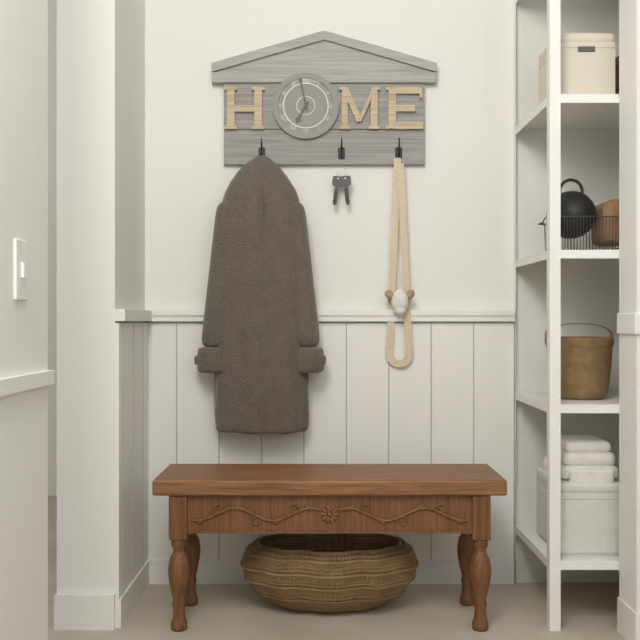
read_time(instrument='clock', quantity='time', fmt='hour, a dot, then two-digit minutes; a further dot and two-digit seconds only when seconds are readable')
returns 6.58
